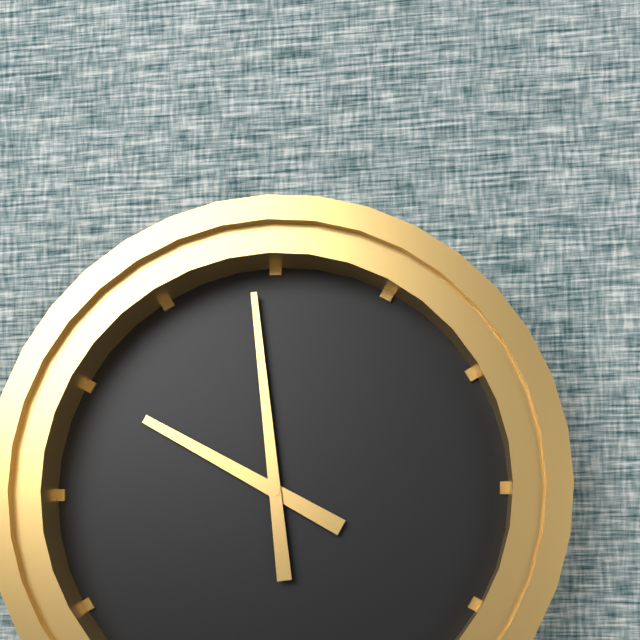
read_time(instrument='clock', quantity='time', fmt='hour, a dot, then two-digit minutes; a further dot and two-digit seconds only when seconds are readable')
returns 9.59
